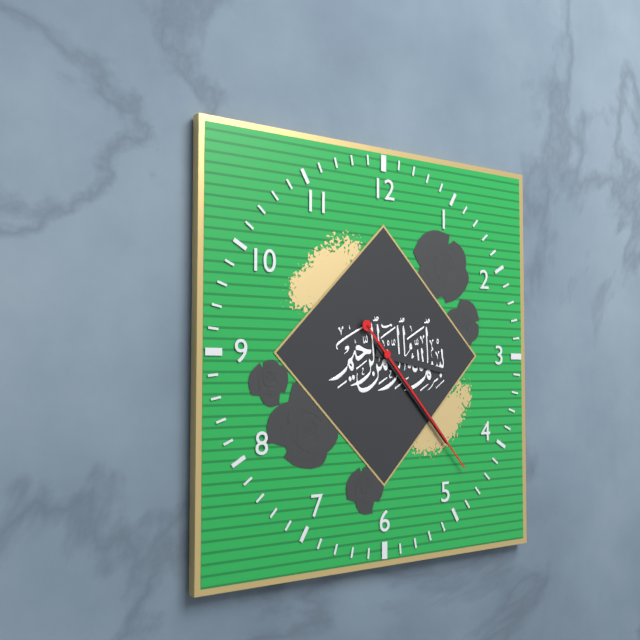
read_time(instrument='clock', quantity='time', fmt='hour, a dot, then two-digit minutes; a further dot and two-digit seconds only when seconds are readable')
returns 3.23.23
